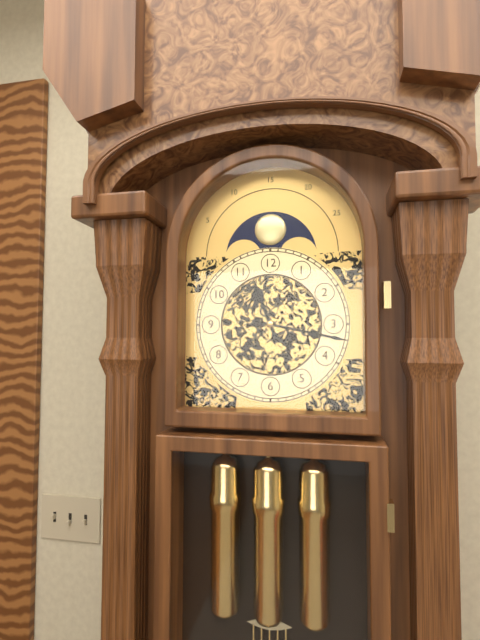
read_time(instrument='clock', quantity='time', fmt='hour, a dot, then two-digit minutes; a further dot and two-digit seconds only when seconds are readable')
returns 11.17
